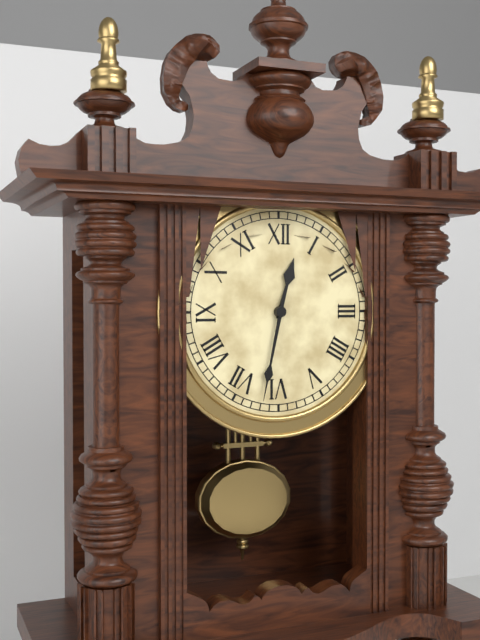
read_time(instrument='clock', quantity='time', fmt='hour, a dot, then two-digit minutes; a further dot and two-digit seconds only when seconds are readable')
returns 12.32
